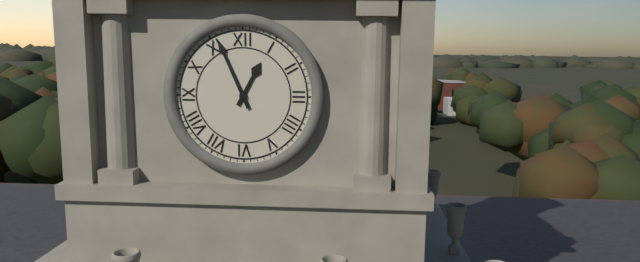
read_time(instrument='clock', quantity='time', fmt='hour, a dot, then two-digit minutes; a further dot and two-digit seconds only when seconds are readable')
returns 12.56
